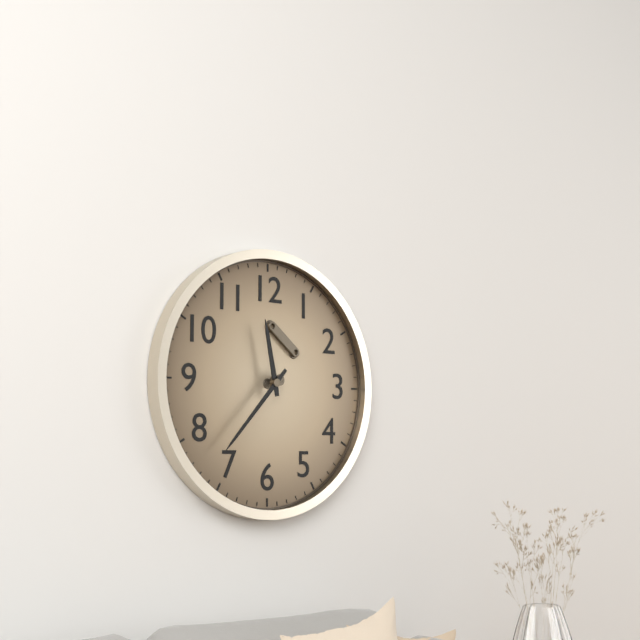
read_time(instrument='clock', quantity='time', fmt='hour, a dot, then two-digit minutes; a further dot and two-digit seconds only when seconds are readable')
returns 11.37
